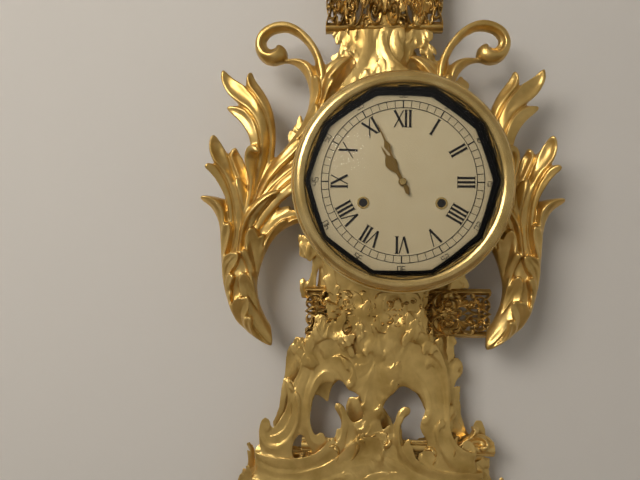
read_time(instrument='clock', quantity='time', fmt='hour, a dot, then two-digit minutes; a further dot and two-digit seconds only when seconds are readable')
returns 10.56
